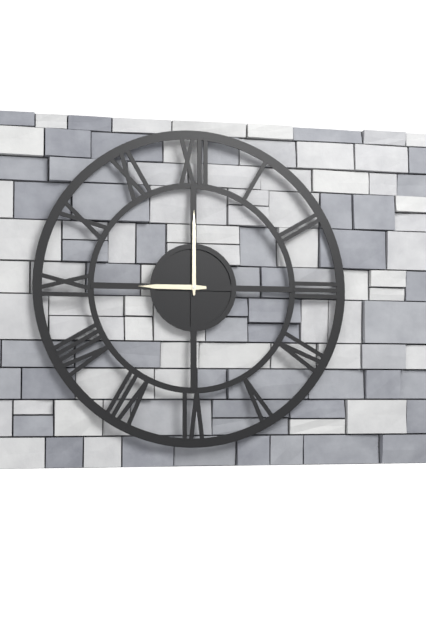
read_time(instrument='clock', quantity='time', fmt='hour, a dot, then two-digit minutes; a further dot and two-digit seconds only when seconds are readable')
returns 9.00
